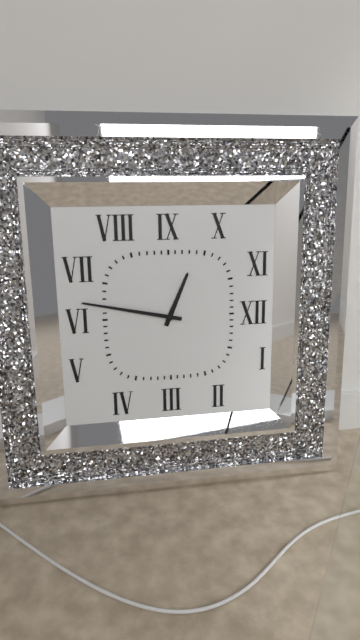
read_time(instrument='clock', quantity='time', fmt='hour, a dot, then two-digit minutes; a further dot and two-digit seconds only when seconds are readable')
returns 12.47
